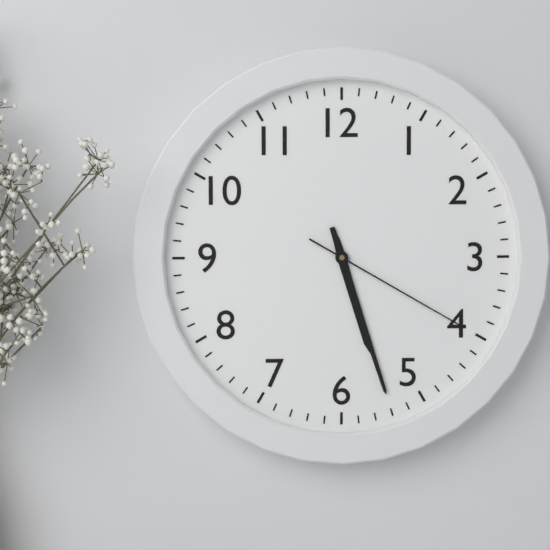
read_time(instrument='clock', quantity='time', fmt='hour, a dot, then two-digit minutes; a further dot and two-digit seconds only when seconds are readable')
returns 5.27.20
